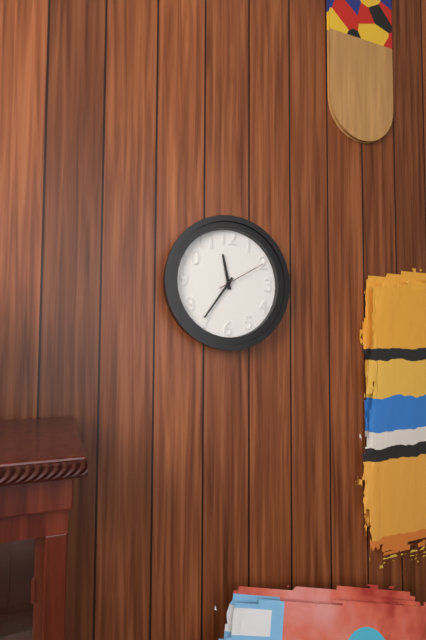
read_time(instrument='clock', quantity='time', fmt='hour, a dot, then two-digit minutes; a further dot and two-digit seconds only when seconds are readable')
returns 11.36
